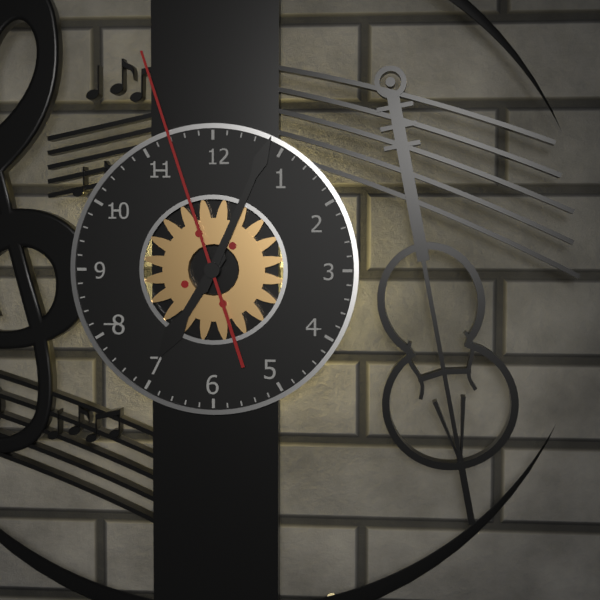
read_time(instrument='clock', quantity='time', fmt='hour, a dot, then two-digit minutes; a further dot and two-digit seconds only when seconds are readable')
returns 7.04.57
